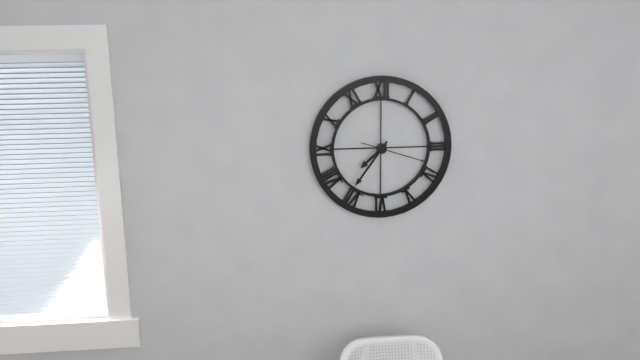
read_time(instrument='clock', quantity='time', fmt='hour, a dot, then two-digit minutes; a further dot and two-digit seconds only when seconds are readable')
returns 7.36.18
